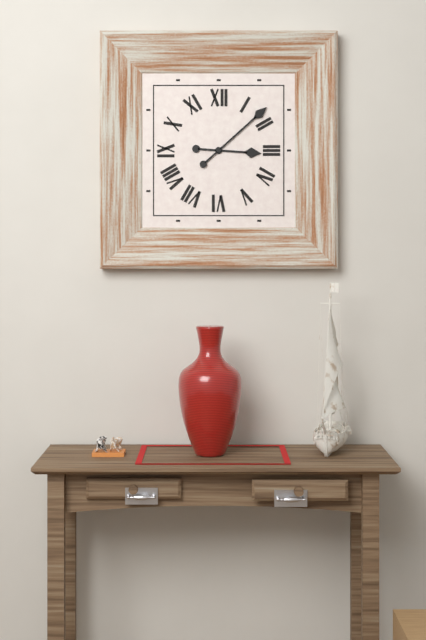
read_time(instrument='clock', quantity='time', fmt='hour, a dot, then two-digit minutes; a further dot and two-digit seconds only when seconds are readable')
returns 3.08
